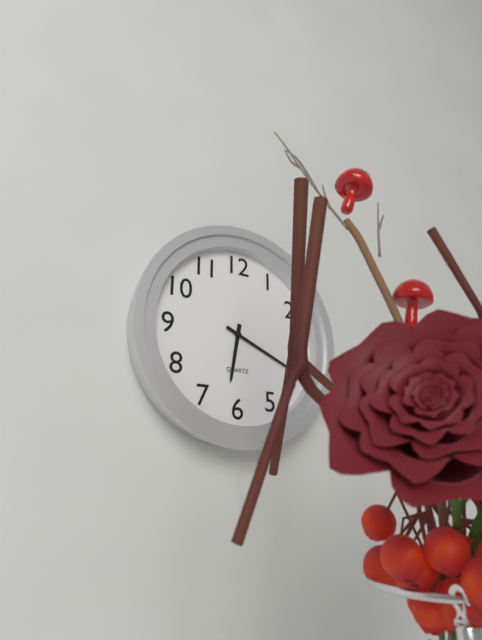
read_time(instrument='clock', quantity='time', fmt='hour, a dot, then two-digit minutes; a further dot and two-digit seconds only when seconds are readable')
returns 6.19
